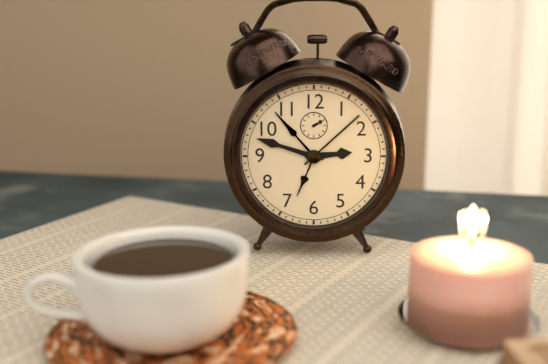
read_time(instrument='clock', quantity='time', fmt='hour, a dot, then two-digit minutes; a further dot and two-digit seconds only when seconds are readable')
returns 2.48
